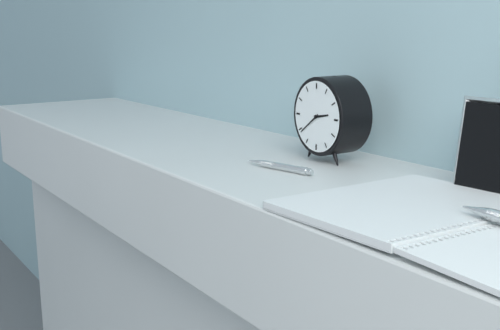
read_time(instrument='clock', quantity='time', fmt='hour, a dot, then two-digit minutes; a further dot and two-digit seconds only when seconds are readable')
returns 2.39
